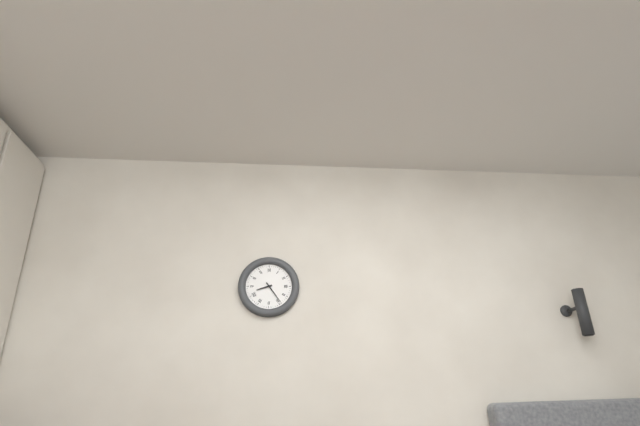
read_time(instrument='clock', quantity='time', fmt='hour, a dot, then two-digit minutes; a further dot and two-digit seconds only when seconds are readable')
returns 8.24
